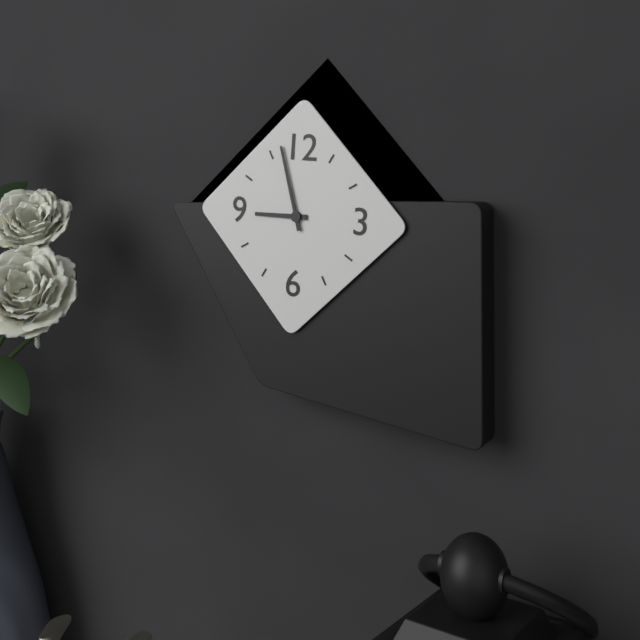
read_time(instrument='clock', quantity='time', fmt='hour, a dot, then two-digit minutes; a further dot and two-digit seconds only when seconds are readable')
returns 8.57
